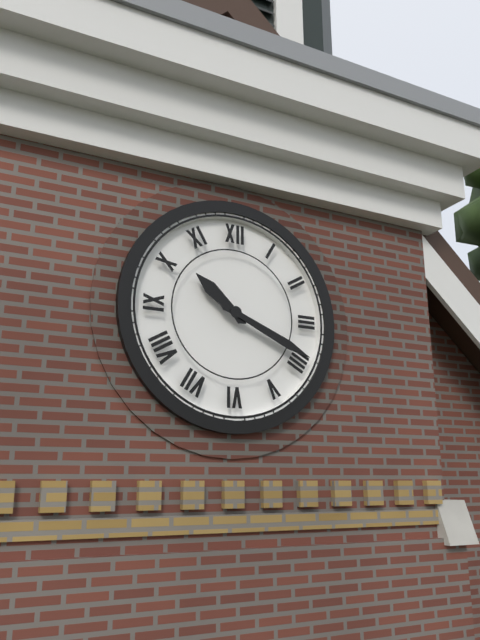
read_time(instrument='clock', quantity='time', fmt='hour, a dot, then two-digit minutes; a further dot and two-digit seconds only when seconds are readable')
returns 10.19
